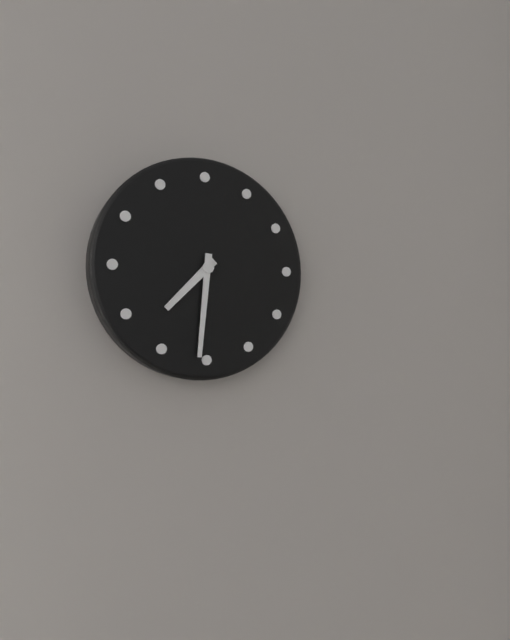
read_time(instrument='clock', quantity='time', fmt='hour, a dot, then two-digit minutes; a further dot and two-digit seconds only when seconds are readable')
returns 7.31
